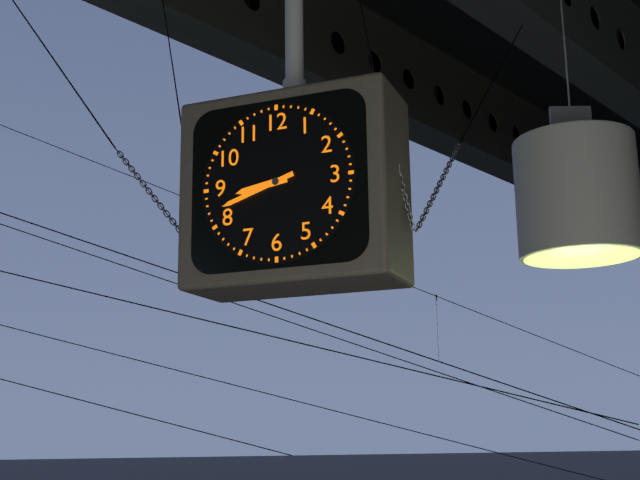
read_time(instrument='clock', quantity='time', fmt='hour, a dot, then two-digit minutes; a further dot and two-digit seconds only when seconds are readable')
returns 8.42
